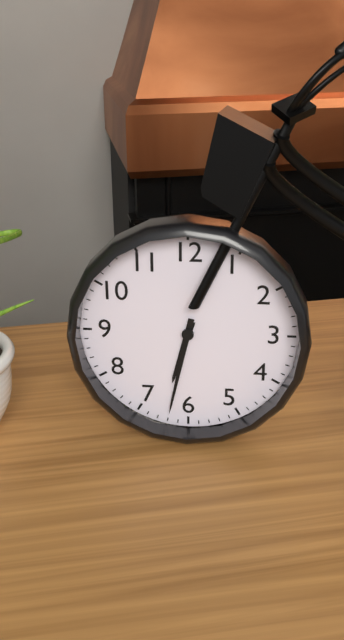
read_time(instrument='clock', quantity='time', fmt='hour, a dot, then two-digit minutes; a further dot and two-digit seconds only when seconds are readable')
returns 6.32
